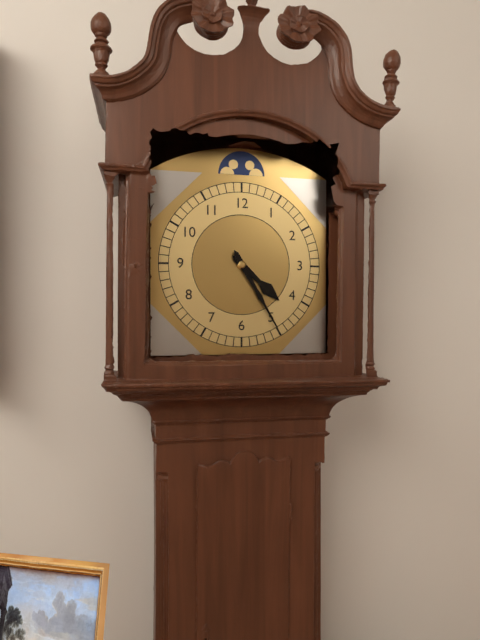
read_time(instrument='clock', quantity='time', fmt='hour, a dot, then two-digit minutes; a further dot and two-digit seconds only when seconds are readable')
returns 4.25
